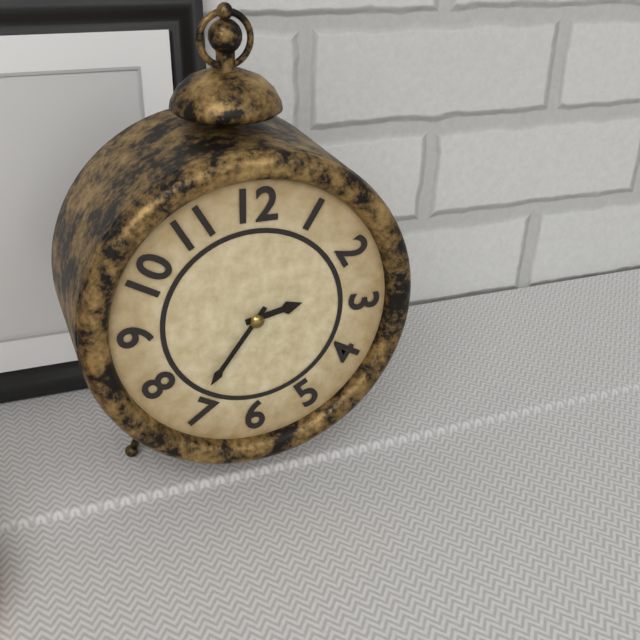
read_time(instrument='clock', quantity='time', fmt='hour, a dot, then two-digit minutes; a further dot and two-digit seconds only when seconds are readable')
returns 2.36
